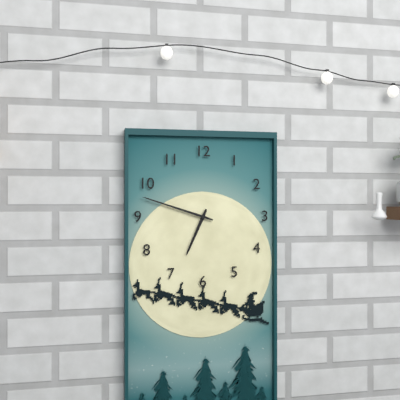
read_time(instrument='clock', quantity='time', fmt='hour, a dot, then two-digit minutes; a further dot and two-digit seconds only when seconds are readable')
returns 6.48
